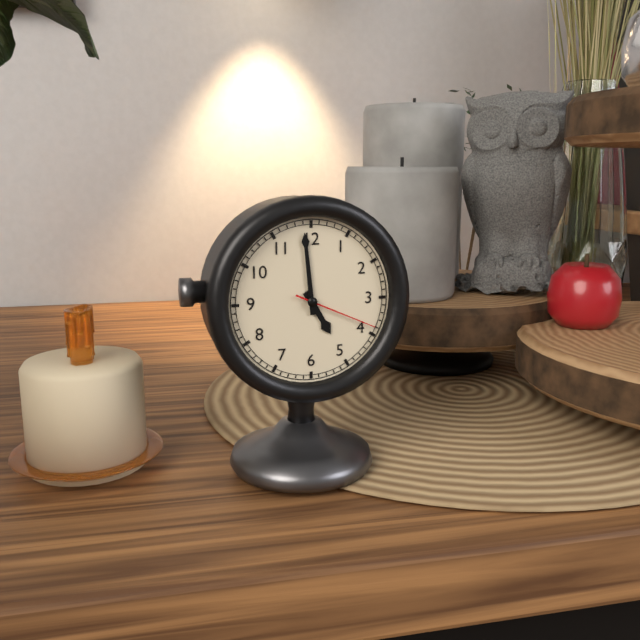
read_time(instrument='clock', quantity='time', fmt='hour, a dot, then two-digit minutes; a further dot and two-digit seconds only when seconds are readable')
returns 4.59.19
